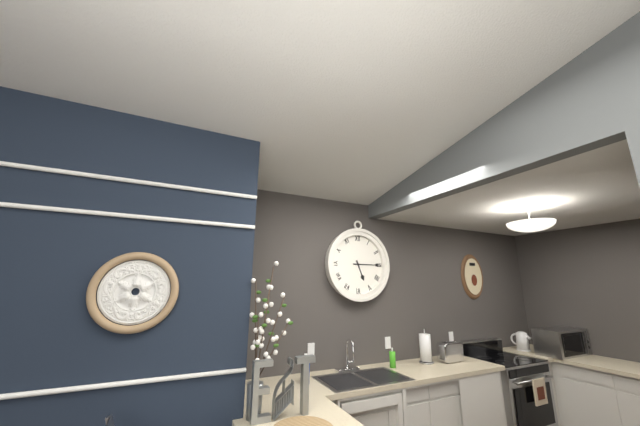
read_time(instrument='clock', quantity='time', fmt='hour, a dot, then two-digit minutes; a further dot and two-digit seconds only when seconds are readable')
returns 5.15
